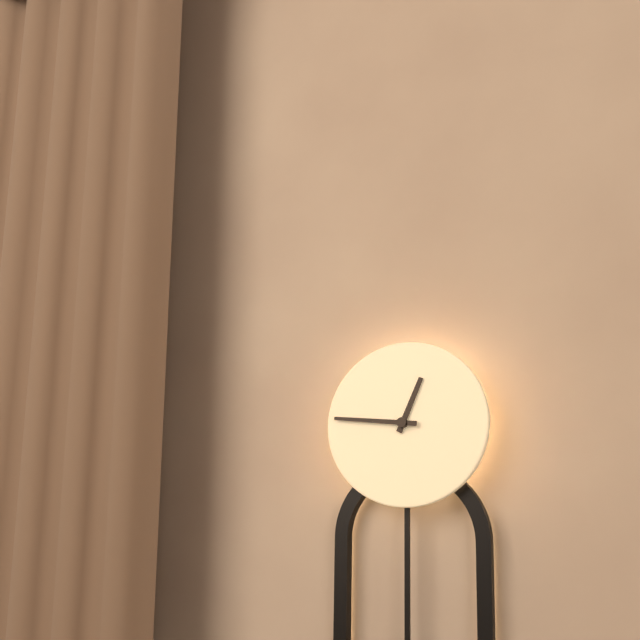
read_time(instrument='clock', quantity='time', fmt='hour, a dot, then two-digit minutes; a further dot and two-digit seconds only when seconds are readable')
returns 12.46
